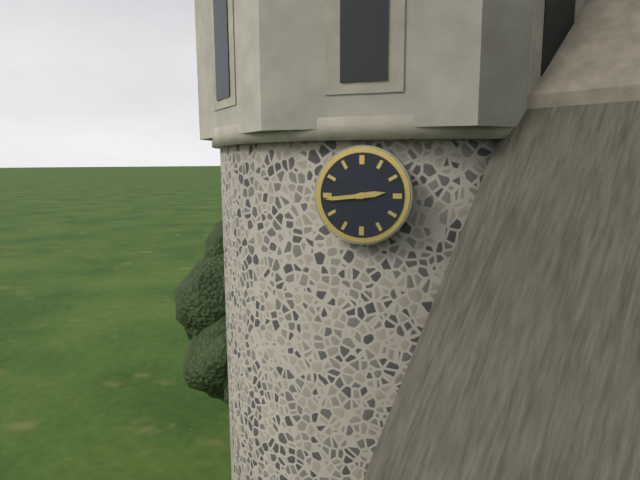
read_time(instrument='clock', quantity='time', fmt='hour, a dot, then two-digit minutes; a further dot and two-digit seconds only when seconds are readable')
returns 2.44
